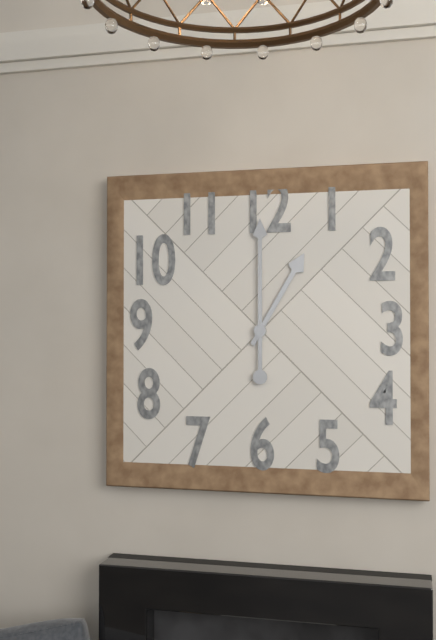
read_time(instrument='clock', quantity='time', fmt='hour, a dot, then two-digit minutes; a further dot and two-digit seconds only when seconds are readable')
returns 1.00
